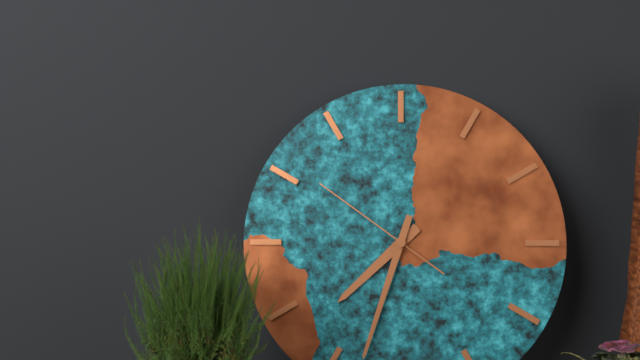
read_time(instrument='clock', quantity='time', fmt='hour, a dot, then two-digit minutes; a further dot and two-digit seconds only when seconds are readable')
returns 7.33.51
